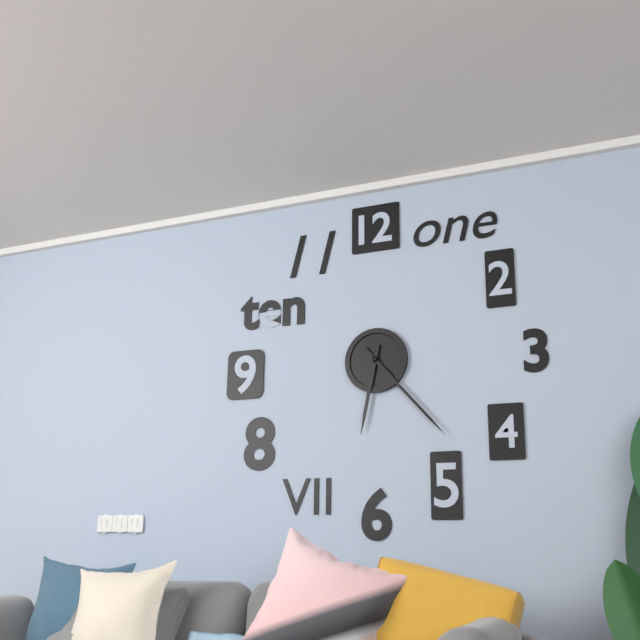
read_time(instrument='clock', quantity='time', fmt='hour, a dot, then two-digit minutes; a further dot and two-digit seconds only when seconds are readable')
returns 6.23
